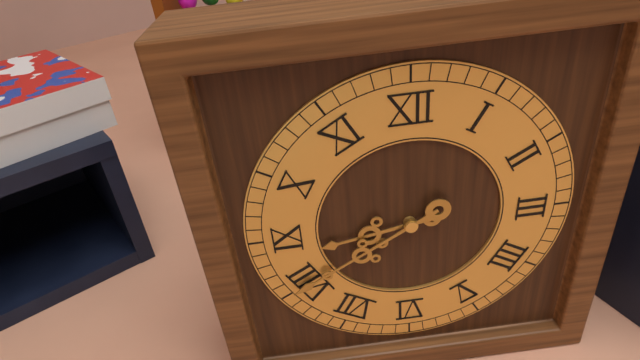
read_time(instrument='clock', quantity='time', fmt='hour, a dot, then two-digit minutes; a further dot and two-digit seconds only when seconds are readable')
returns 8.40
